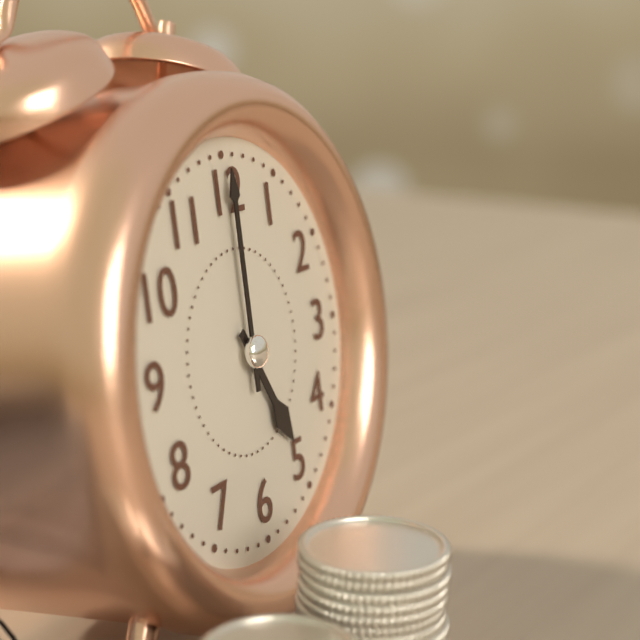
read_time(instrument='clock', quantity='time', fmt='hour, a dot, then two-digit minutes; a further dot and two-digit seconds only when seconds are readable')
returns 5.00
